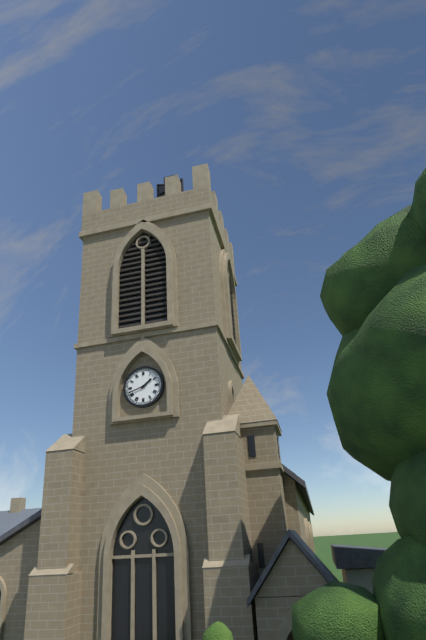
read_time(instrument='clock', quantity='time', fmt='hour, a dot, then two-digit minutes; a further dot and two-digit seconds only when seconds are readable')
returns 1.42
